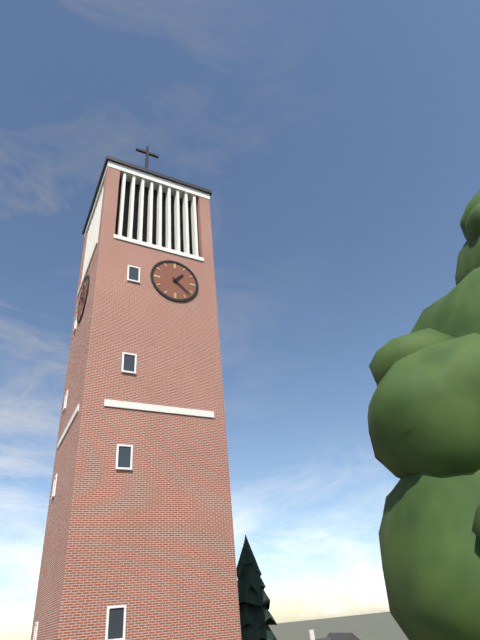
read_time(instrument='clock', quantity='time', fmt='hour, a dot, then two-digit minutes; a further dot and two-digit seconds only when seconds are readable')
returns 1.22
